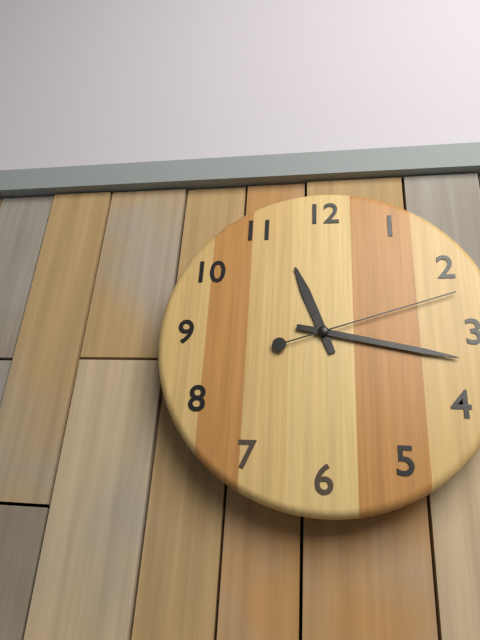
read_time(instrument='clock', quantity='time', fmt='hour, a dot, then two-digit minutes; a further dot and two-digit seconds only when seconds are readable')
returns 11.17.12
